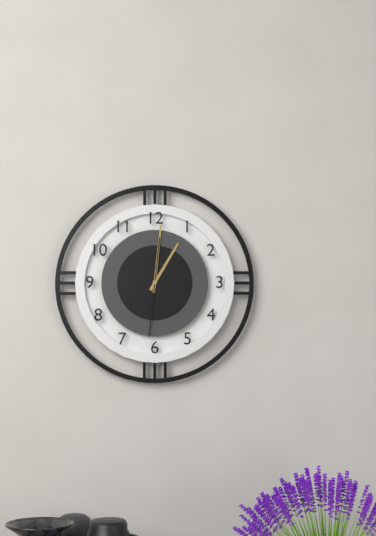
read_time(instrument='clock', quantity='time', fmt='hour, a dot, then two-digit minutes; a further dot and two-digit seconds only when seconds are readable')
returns 1.01.31
